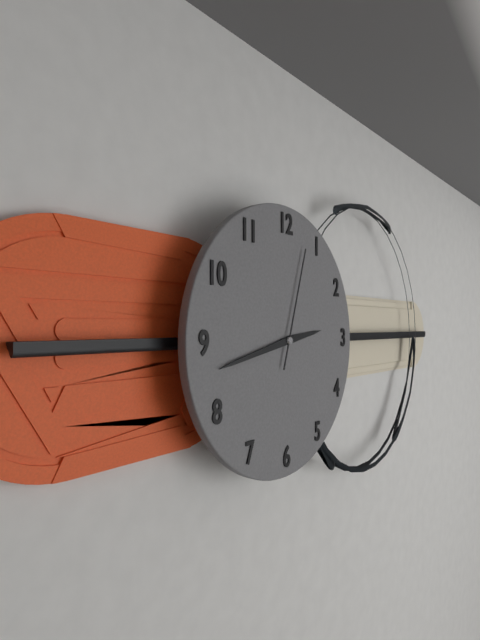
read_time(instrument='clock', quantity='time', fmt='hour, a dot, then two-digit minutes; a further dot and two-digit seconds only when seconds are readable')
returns 2.43.03
